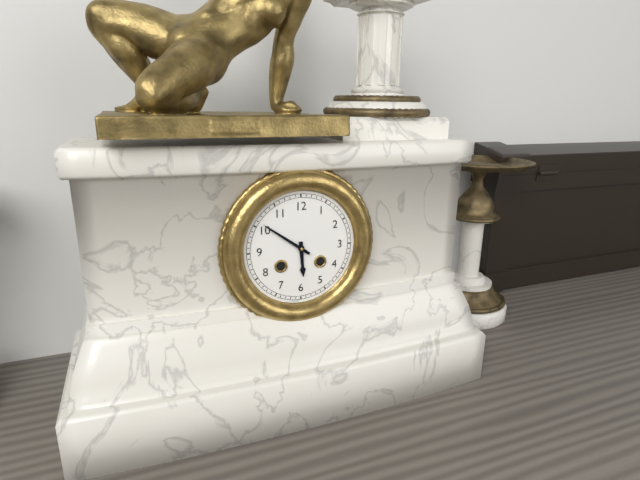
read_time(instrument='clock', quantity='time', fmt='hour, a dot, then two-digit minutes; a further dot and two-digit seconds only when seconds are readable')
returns 5.51
